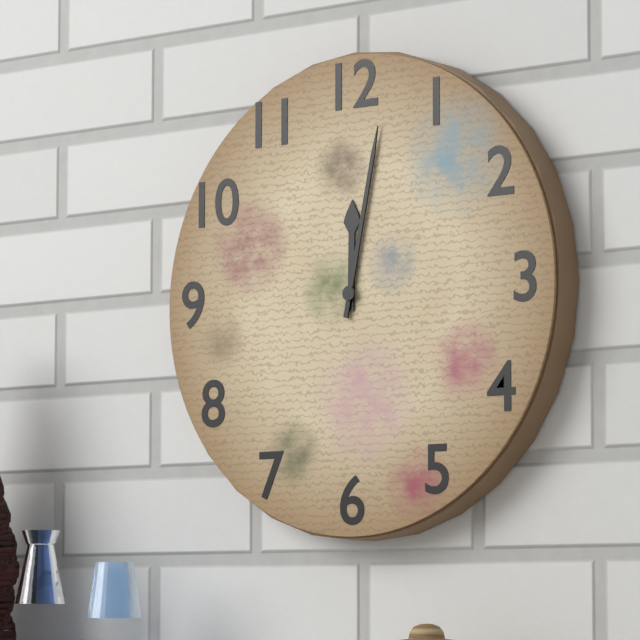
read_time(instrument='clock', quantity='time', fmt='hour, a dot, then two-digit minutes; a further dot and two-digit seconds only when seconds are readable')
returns 12.02
